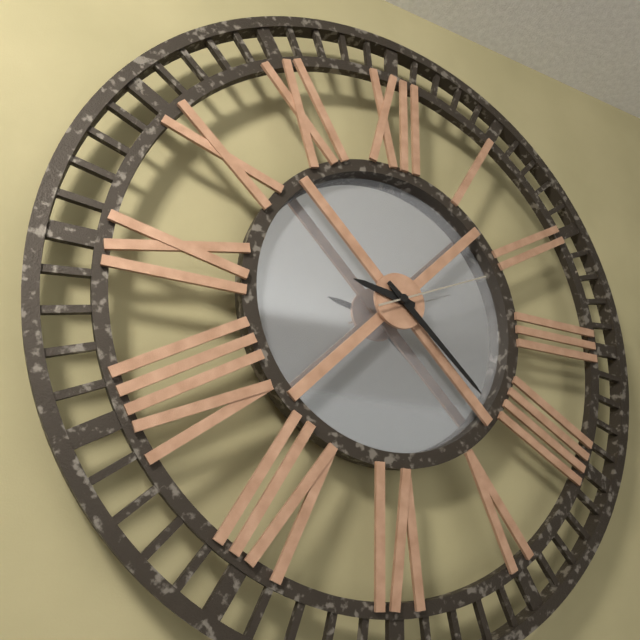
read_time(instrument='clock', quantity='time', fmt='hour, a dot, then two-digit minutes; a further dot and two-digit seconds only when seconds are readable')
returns 9.22.11
